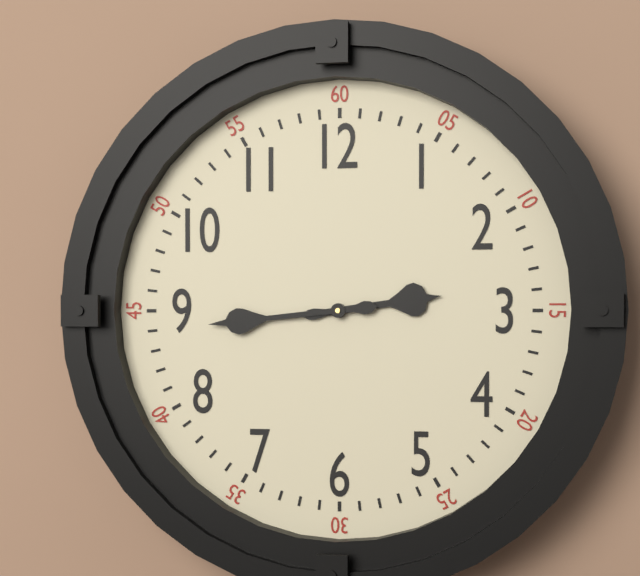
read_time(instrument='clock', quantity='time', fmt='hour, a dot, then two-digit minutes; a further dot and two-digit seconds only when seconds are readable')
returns 2.44
